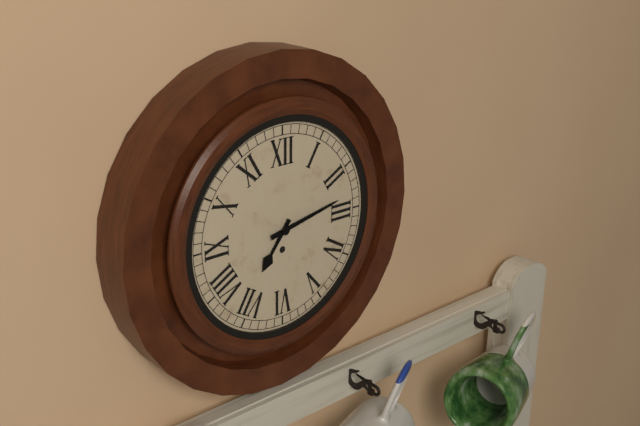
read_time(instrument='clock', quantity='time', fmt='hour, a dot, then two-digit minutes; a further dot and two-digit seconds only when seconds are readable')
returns 7.13
